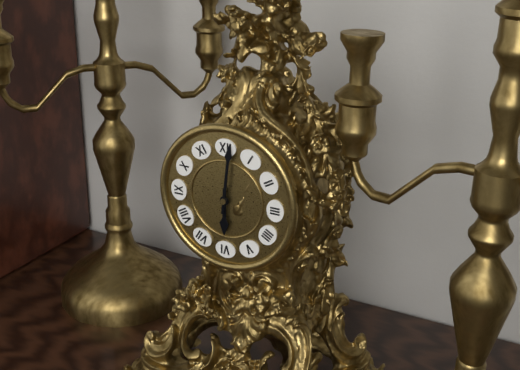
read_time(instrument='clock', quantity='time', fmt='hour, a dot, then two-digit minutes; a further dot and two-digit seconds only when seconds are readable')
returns 6.01
